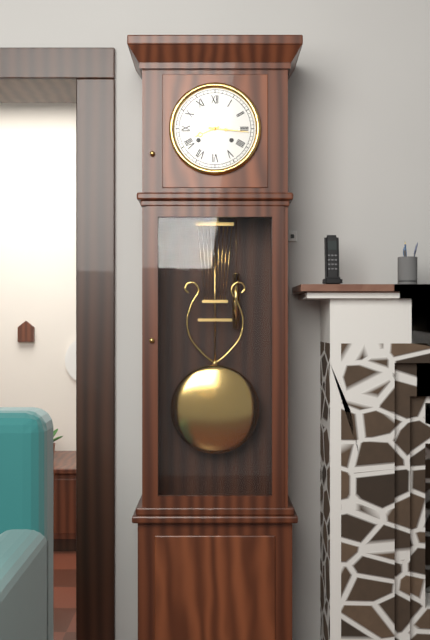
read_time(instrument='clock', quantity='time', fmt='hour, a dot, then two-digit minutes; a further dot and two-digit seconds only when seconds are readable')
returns 8.16
